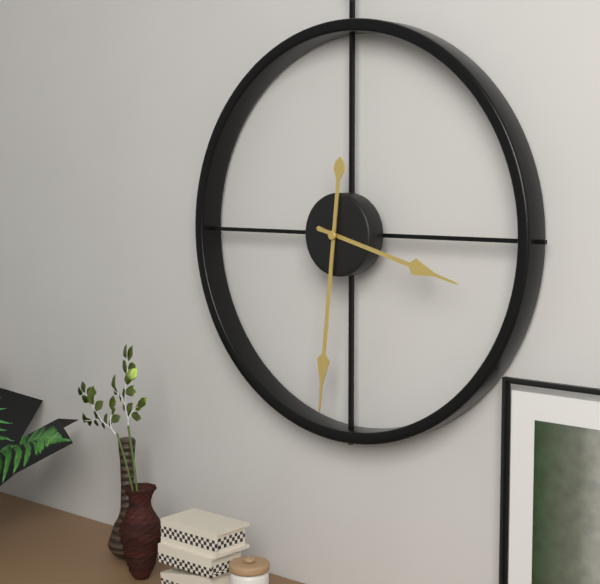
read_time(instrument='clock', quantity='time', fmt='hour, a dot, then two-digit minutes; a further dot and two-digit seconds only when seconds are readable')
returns 3.31
